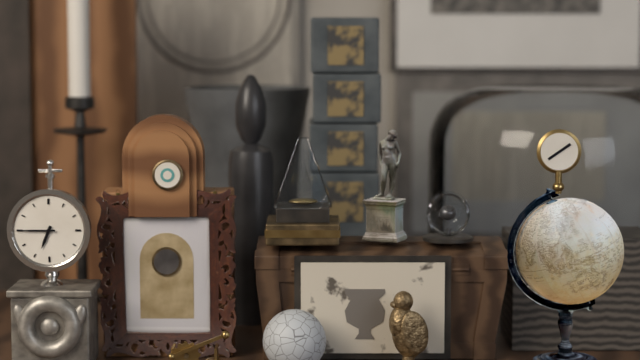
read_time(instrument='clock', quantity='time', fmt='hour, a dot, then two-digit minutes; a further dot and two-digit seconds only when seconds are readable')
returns 6.45
